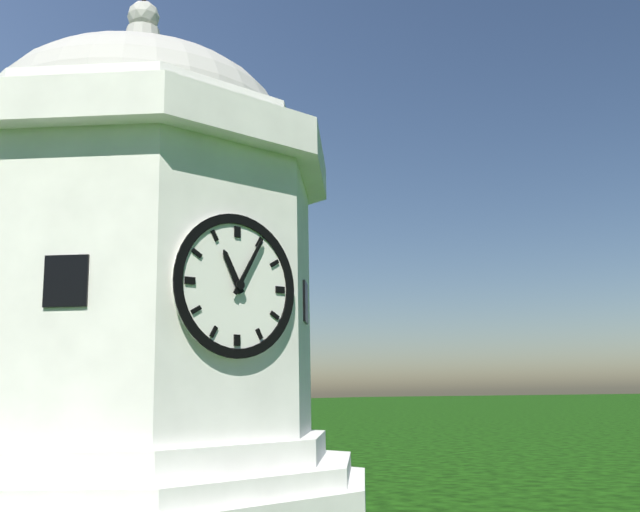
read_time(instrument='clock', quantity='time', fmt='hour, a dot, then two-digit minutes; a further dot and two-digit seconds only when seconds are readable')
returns 11.05
